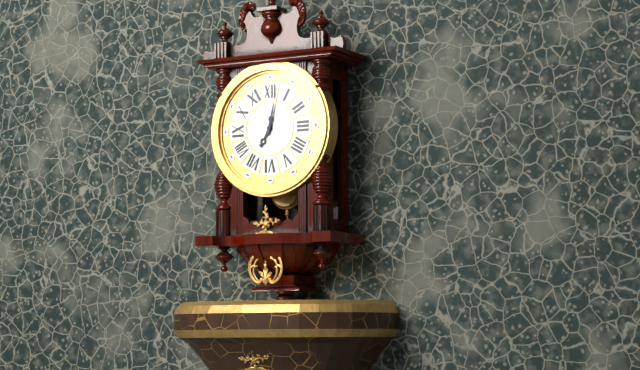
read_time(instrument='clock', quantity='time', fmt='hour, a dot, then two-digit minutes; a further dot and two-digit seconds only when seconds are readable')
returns 7.02
